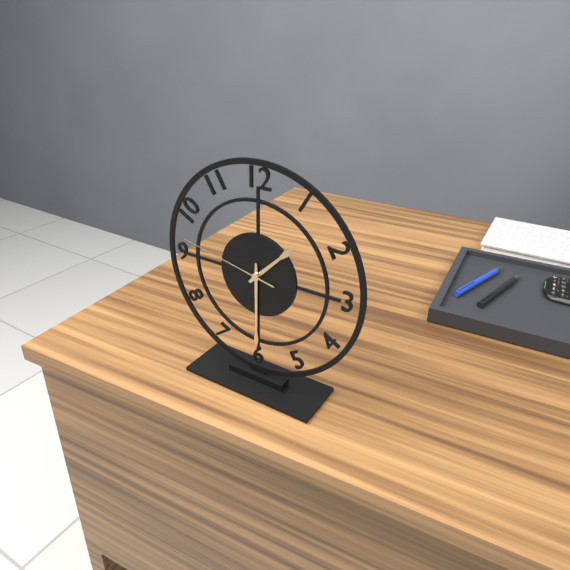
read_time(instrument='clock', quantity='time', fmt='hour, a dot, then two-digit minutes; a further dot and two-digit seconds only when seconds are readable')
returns 1.30.47
